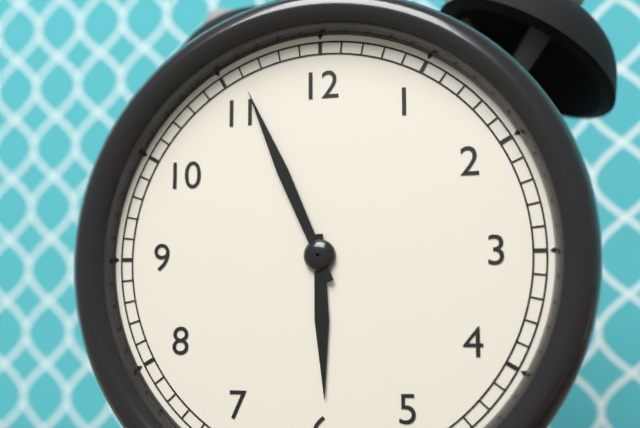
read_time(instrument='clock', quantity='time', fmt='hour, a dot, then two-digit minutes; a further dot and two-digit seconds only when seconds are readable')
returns 5.56
